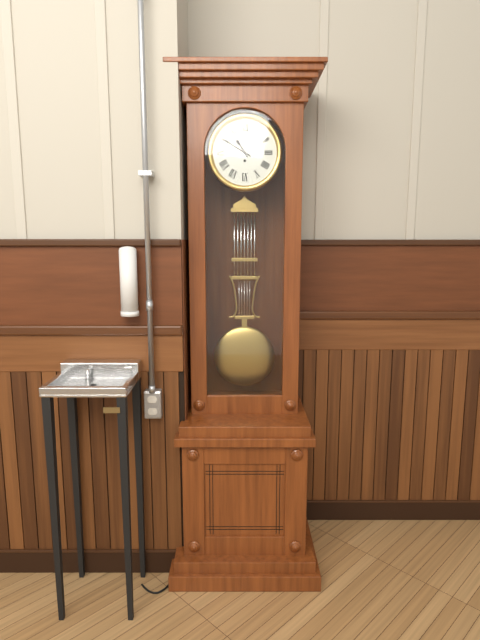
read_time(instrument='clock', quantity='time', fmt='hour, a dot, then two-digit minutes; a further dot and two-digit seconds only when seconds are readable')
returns 10.50
